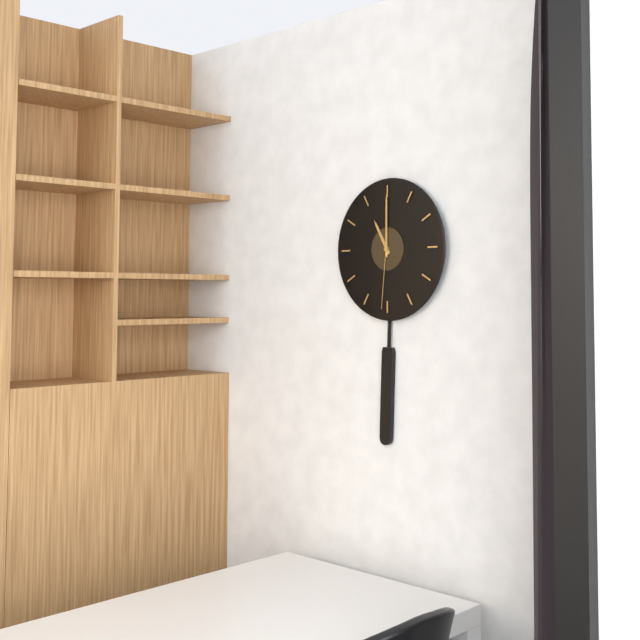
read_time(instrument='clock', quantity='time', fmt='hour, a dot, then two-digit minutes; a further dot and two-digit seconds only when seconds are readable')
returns 11.00.31
